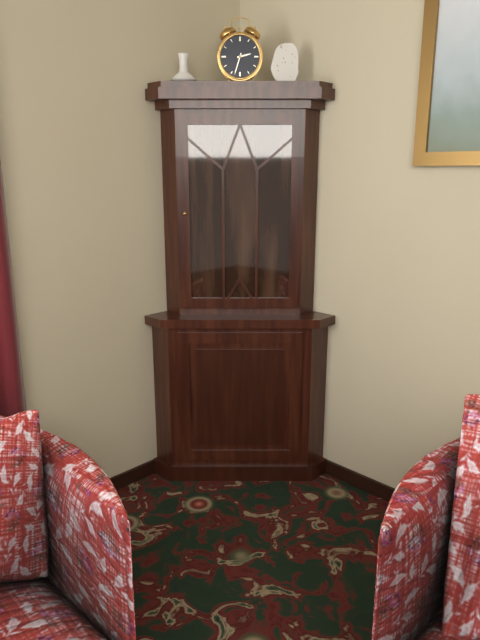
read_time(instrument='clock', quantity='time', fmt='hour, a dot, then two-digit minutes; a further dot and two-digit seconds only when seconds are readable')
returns 2.33
